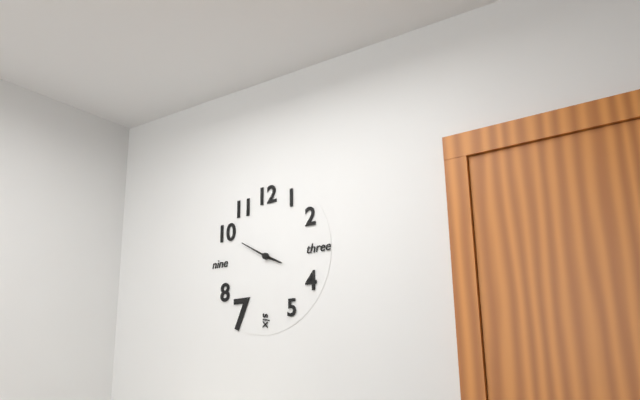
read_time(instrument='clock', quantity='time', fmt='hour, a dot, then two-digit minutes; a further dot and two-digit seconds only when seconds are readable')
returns 3.50
